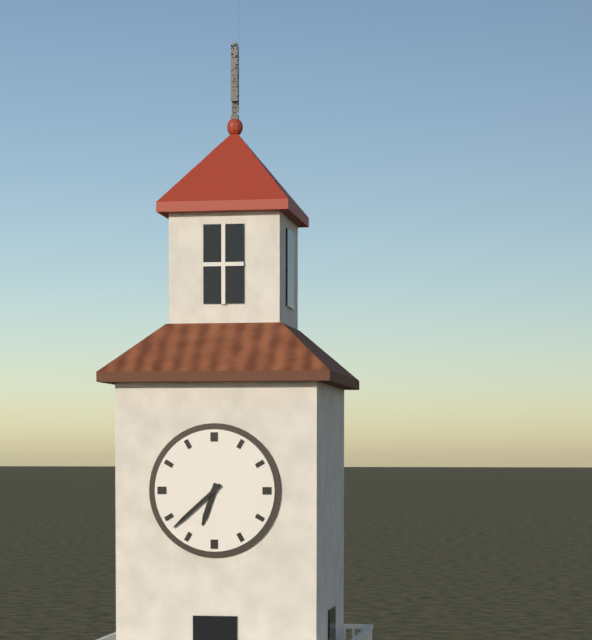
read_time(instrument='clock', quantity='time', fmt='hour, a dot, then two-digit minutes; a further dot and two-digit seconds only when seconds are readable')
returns 6.38
